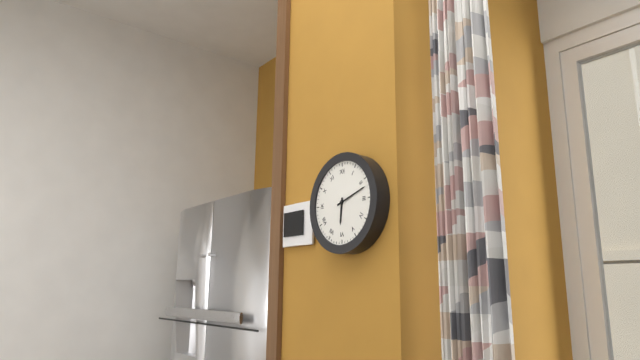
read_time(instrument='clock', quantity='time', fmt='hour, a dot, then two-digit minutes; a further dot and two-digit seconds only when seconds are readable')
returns 6.12
